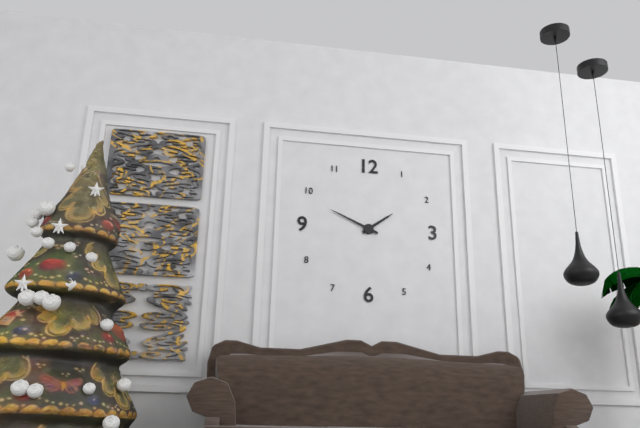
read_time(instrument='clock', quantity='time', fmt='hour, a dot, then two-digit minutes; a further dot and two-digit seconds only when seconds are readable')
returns 1.49
